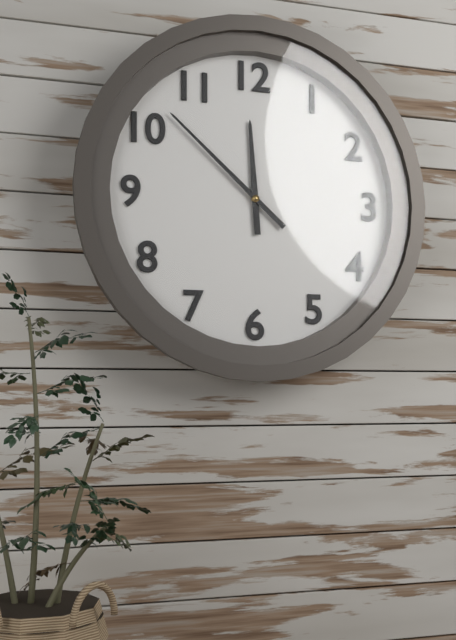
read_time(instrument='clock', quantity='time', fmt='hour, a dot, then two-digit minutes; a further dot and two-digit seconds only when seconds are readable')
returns 11.52
